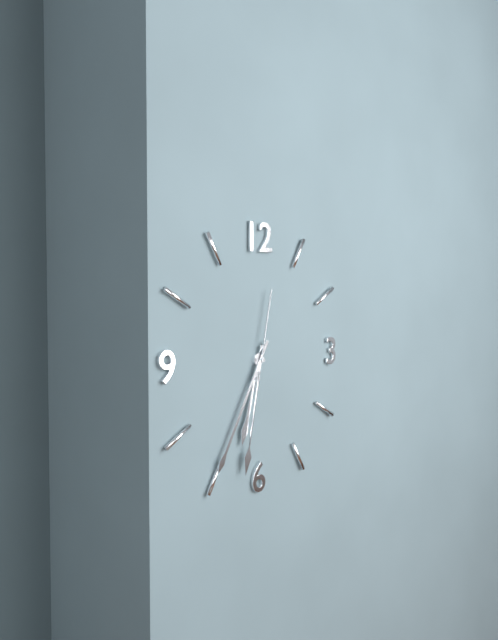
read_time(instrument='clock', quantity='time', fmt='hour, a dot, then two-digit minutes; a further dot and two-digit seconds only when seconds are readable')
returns 6.35.32
